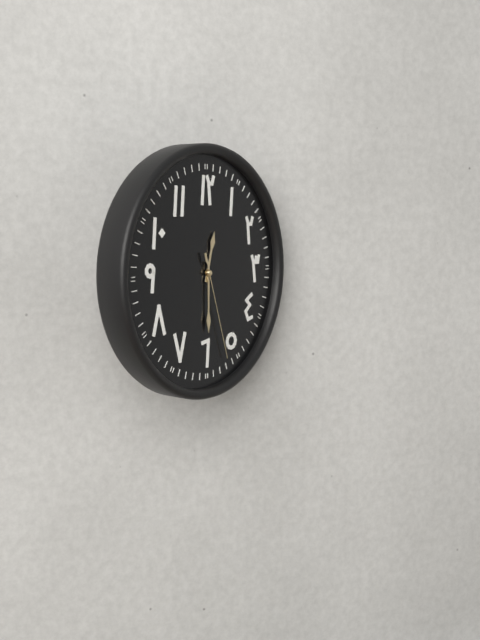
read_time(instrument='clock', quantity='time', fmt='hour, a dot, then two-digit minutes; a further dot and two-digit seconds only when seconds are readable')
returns 12.30.27
